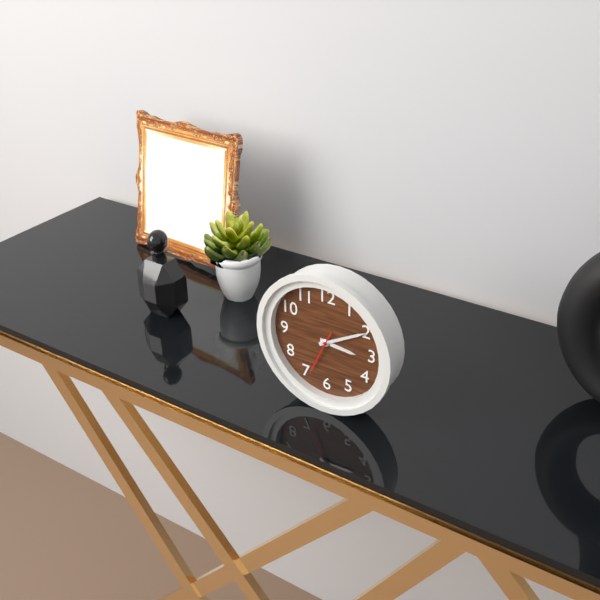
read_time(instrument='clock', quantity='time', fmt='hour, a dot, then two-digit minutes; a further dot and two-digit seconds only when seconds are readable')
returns 3.10
